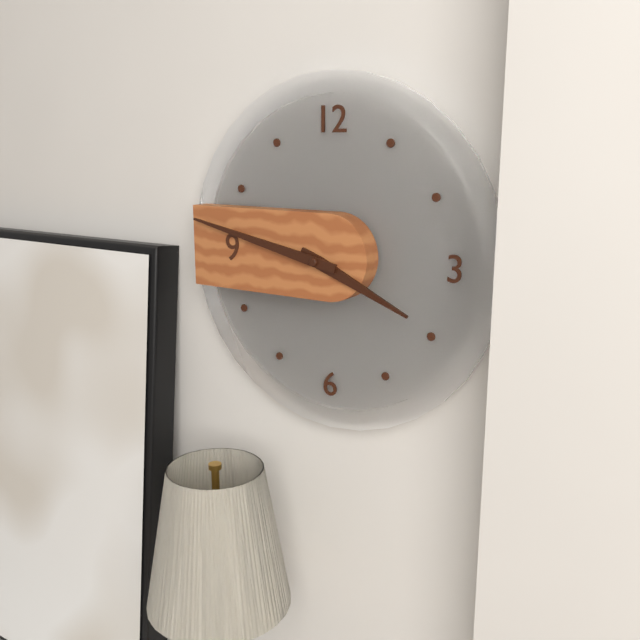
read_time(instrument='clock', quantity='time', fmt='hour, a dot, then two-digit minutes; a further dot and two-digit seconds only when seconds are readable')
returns 3.47
